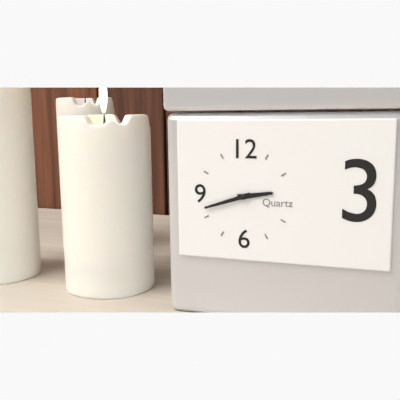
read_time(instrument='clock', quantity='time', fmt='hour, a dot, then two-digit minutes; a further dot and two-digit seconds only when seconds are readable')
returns 2.42
